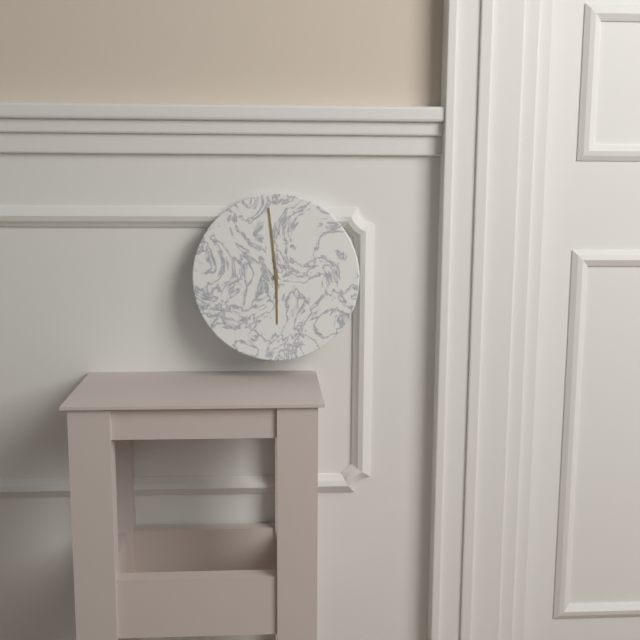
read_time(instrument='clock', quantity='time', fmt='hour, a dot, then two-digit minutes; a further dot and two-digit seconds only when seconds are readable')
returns 5.59
